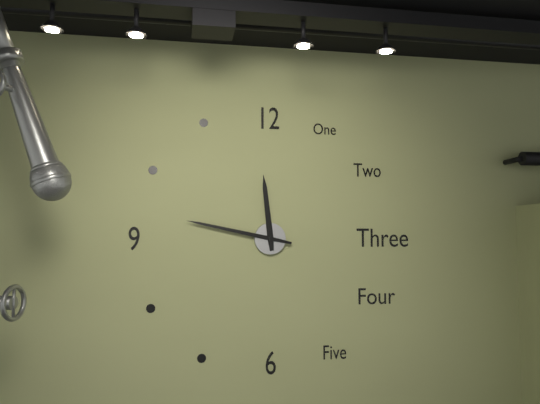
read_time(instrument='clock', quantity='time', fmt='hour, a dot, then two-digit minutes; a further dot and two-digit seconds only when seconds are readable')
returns 11.47
